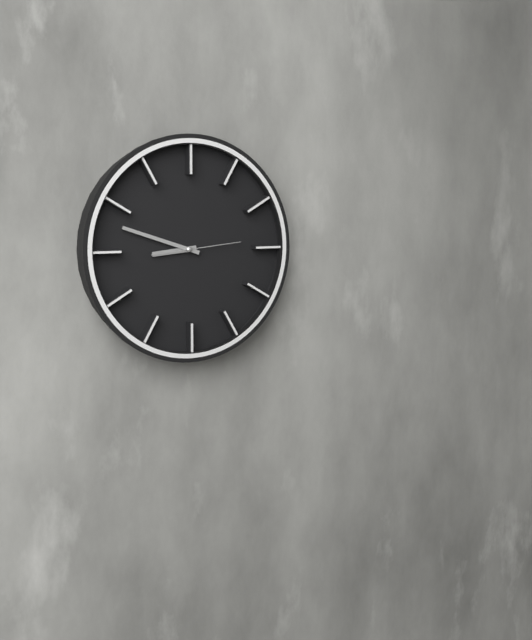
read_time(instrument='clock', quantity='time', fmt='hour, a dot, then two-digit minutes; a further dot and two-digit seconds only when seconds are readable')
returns 8.48.14
